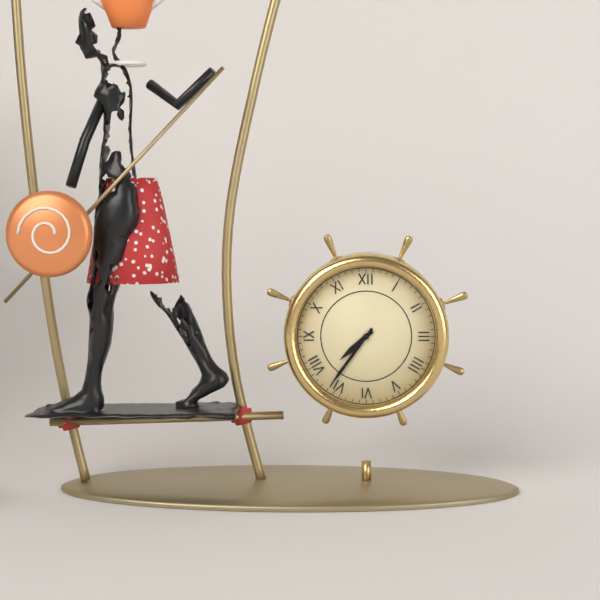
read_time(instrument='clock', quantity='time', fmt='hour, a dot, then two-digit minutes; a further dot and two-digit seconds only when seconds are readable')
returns 7.36
